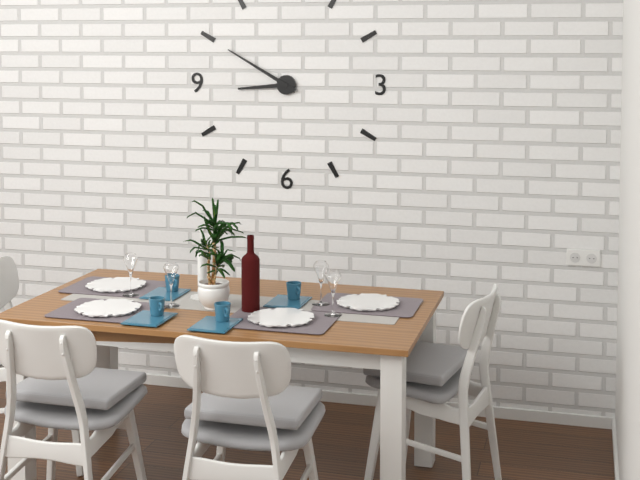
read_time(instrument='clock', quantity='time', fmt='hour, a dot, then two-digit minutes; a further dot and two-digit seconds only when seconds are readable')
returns 8.50
